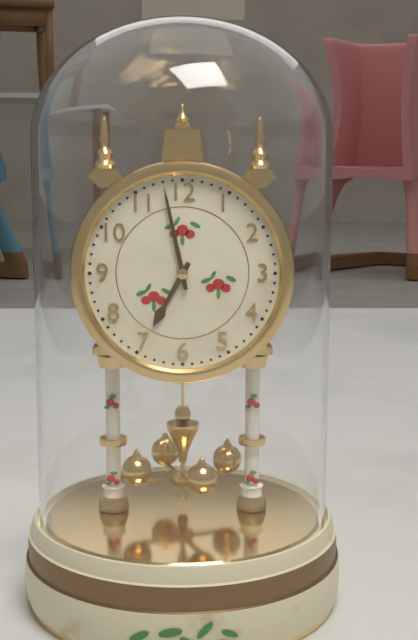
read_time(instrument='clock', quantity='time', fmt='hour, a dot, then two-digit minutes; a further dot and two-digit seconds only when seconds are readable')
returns 6.58
